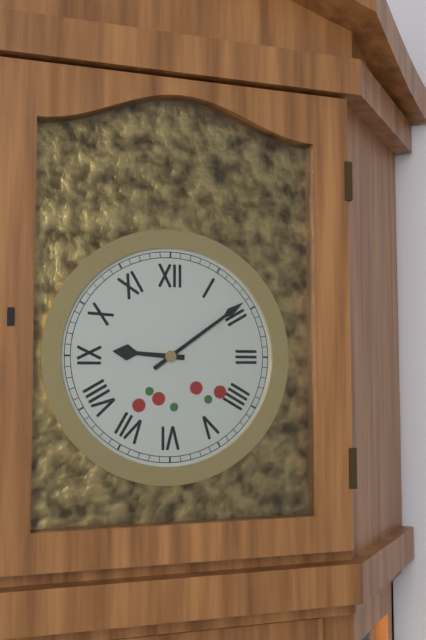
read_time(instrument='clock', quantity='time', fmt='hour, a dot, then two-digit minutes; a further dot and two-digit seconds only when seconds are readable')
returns 9.09
